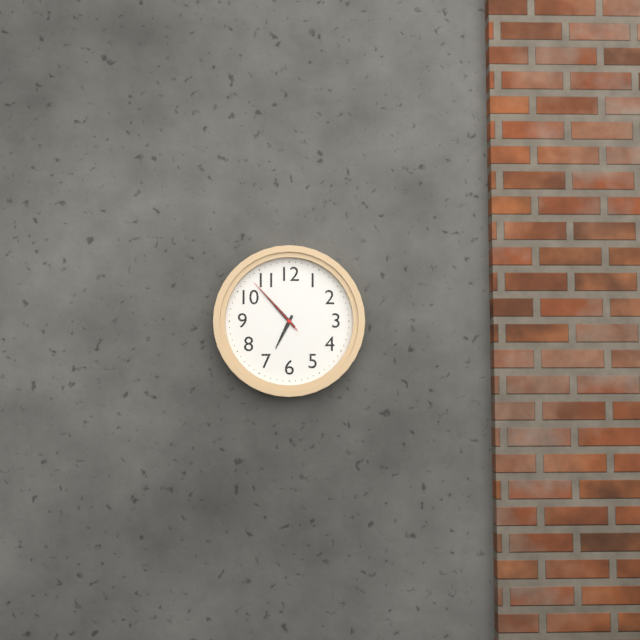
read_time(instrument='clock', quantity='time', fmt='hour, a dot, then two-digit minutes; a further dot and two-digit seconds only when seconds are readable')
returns 6.53.53
